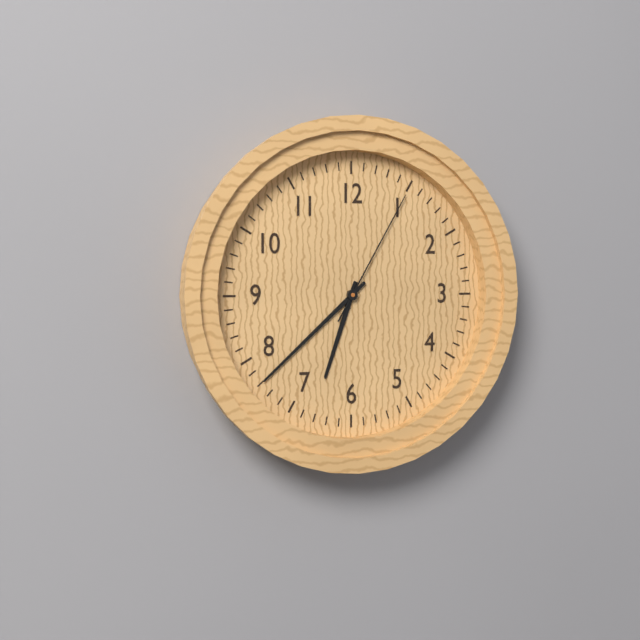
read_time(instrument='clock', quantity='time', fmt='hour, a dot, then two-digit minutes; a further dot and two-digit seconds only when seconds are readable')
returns 6.38.05
